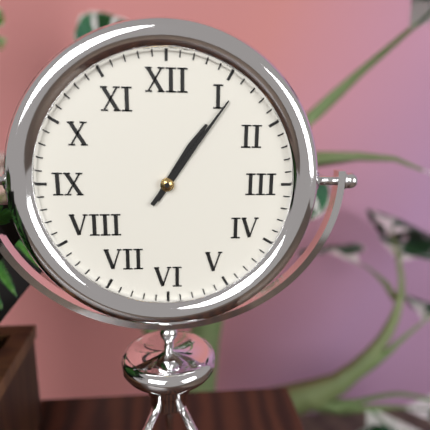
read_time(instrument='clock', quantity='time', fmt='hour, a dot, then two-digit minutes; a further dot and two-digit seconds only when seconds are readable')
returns 1.06
